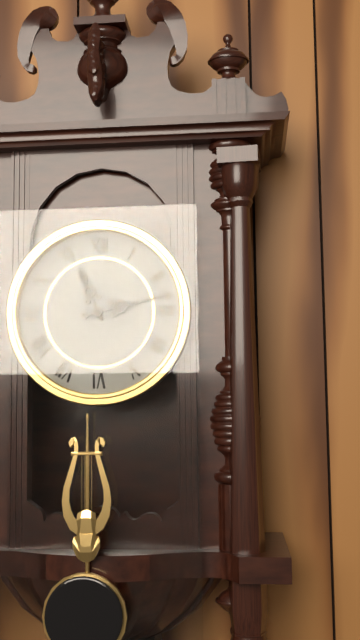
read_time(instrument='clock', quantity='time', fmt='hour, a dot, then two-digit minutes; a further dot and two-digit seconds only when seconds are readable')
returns 11.13
